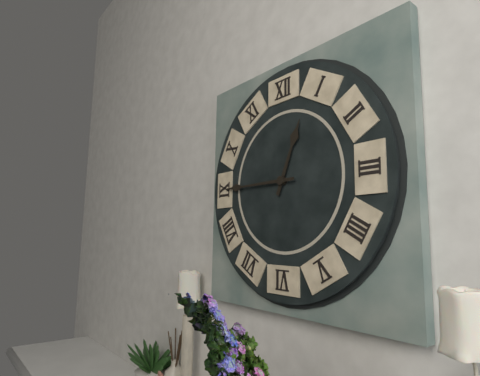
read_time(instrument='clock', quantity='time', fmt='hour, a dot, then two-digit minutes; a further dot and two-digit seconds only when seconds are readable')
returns 12.45
